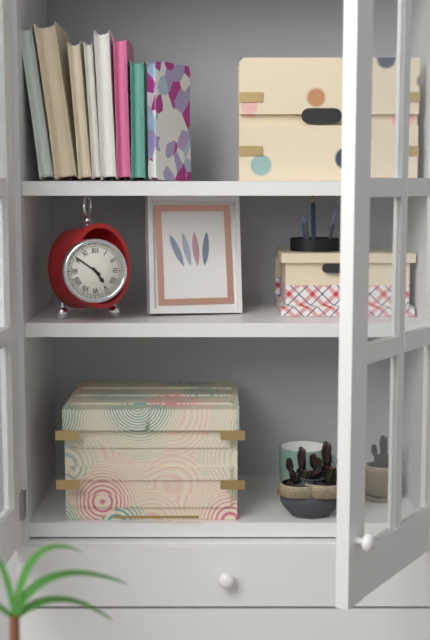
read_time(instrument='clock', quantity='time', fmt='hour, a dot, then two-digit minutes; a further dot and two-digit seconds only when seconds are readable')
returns 4.51
